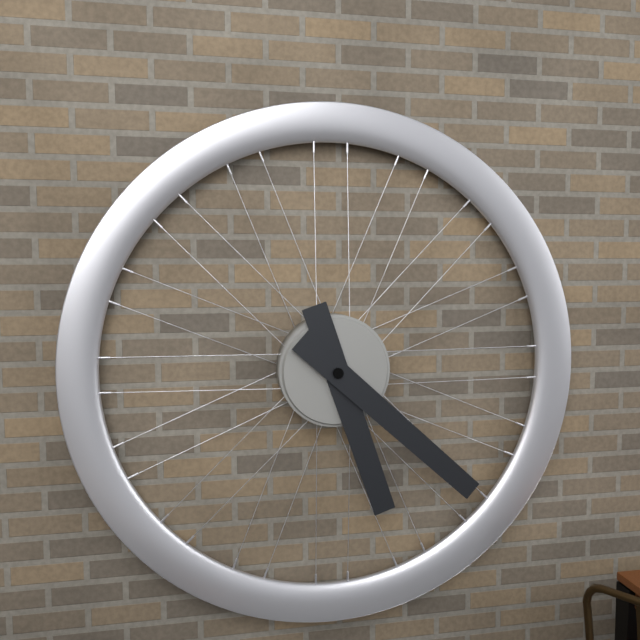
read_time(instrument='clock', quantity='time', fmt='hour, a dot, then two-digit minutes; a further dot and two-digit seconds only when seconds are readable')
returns 5.22
